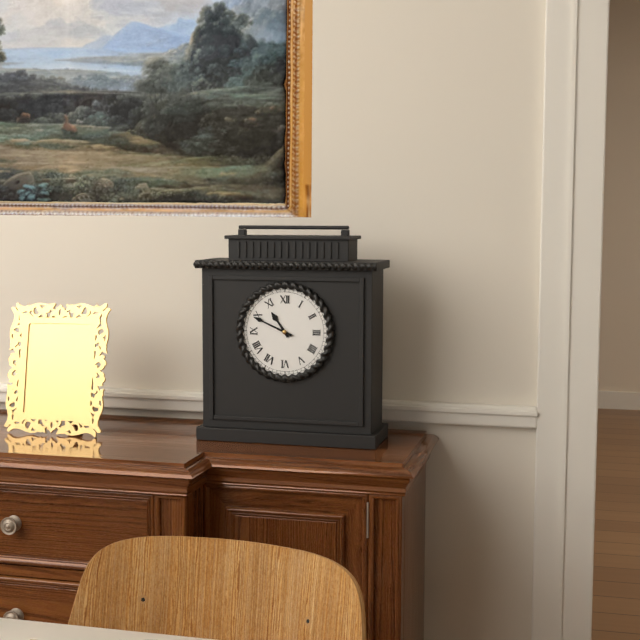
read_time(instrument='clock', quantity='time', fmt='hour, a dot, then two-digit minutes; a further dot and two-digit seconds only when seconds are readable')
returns 10.49
